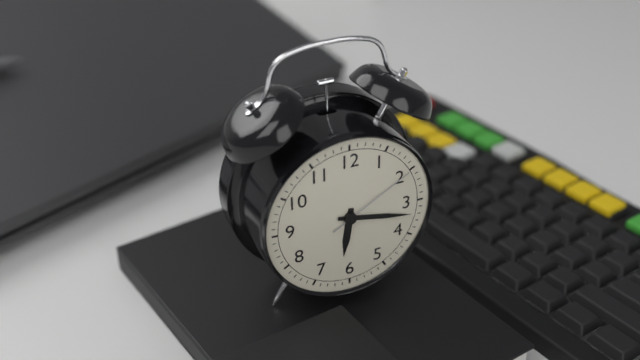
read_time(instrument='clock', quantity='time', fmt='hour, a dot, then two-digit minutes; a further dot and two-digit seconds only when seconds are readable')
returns 6.17.10
